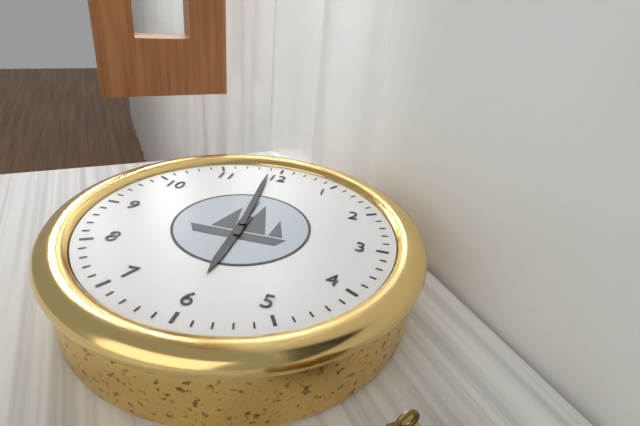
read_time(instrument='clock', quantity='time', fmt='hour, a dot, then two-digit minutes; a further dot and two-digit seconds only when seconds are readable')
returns 5.59
